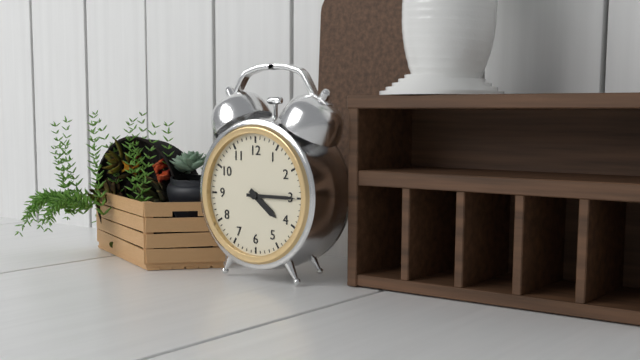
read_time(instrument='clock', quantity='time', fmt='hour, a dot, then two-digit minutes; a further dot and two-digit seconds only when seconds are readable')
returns 4.15
